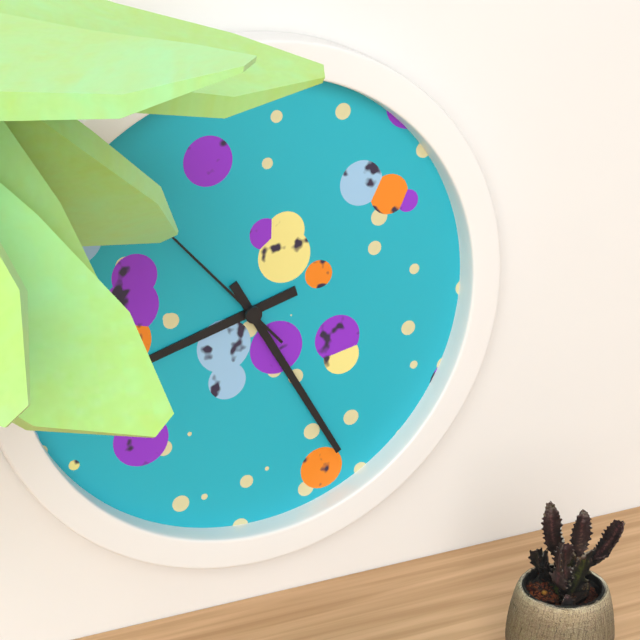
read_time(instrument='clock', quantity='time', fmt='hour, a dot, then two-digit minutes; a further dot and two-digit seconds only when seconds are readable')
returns 8.25
